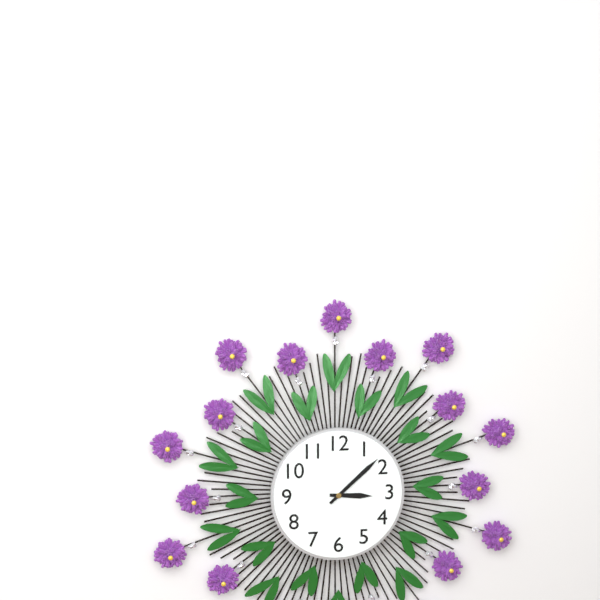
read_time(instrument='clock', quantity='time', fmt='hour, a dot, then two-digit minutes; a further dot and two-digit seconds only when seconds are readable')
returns 3.08
